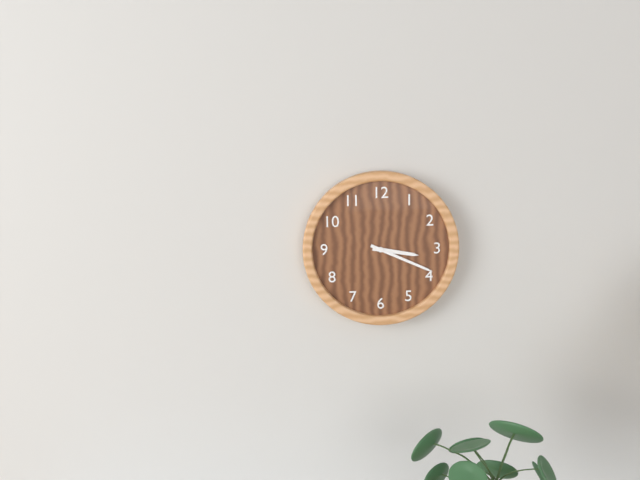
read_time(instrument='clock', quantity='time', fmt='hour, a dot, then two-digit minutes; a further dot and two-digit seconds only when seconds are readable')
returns 3.19
